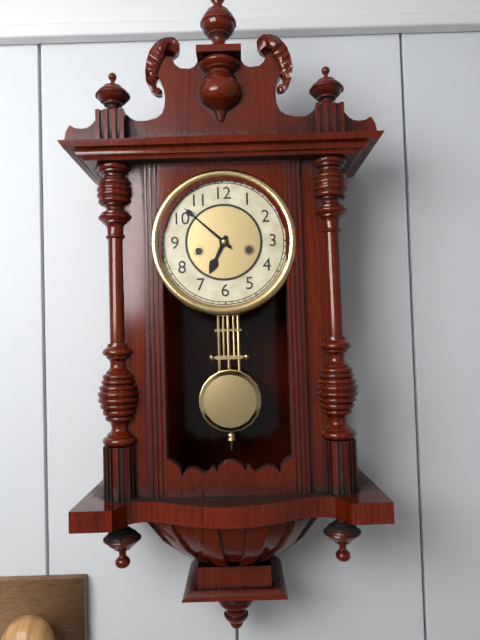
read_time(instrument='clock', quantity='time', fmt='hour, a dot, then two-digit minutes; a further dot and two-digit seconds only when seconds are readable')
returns 6.52
